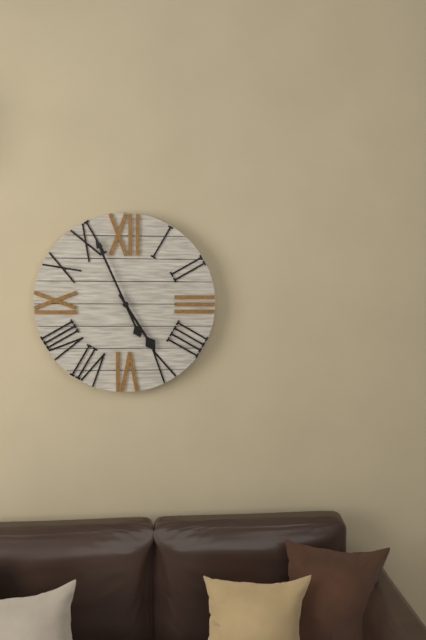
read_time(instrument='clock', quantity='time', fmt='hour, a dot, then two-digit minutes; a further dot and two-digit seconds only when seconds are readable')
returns 4.56
